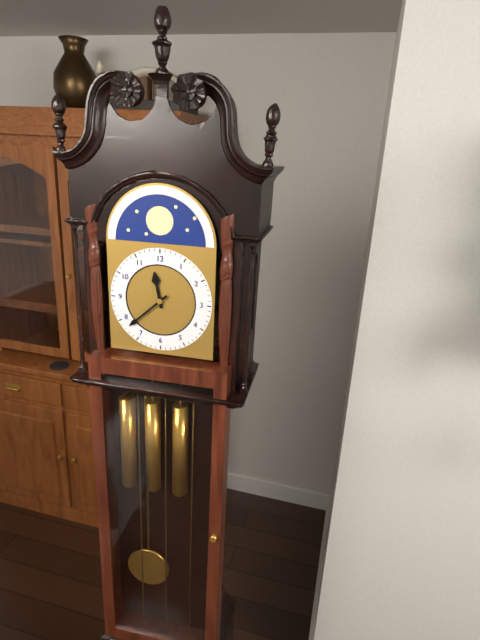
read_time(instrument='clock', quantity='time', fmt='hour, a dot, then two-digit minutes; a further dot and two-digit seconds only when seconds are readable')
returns 11.38
